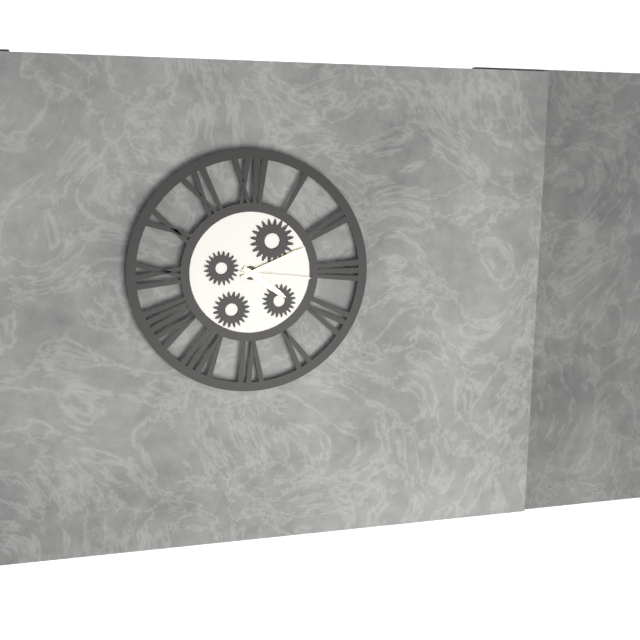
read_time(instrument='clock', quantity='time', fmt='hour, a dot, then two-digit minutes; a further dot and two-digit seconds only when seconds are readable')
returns 4.11.16
